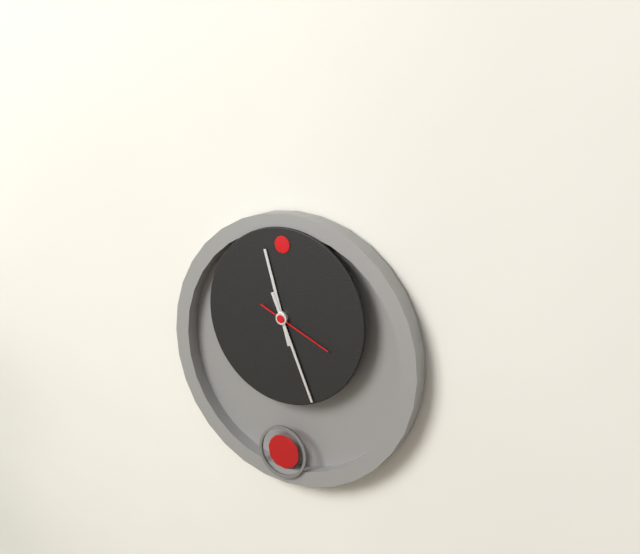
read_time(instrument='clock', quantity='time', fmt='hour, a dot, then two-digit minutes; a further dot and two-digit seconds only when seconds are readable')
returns 11.26.19
